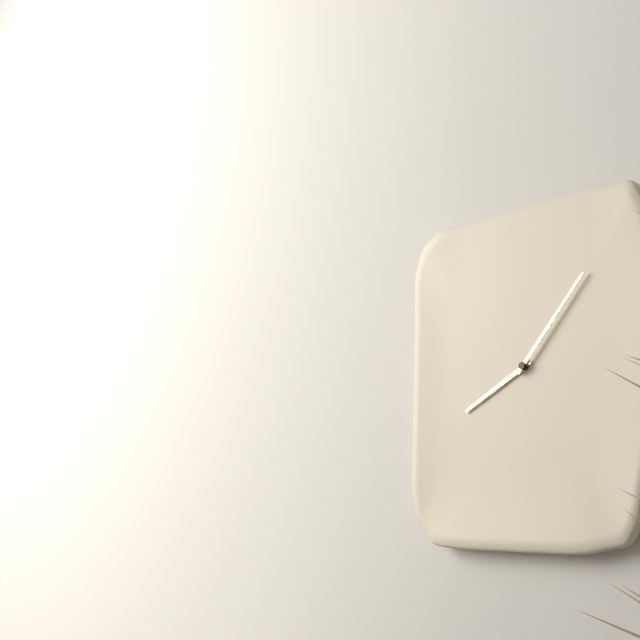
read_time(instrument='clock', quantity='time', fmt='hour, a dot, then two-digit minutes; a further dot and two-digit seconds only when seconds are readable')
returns 8.07
